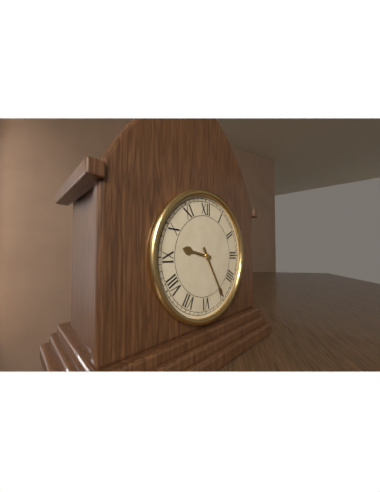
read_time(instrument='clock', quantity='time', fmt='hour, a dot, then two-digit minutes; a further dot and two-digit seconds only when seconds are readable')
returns 9.25
